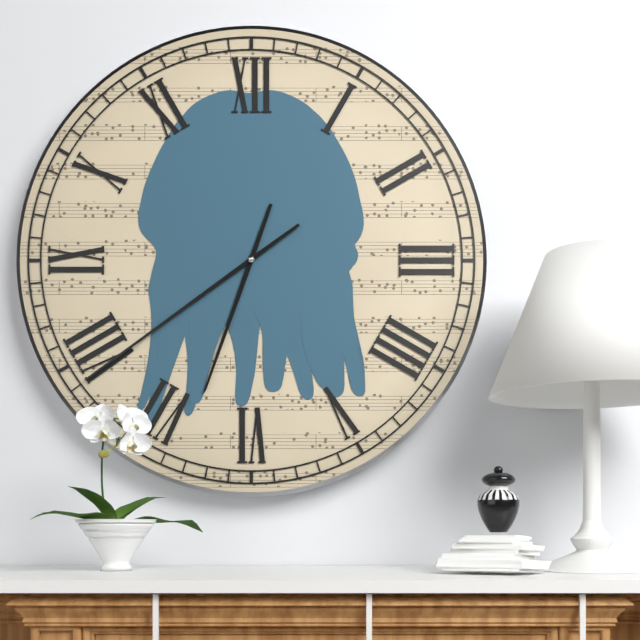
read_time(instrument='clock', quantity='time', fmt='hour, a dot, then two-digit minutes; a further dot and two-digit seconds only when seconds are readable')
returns 6.39
